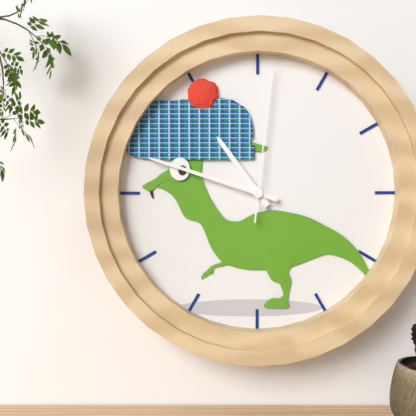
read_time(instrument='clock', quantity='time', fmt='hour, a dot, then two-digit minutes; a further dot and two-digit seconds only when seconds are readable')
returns 10.48.01
